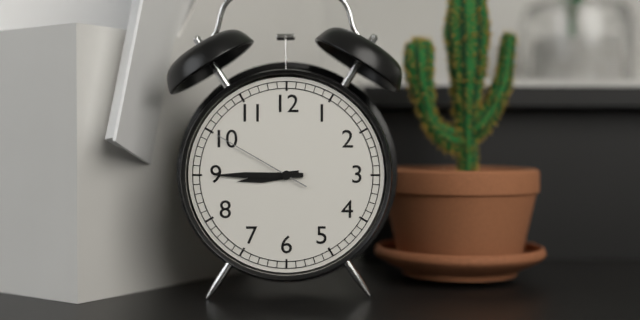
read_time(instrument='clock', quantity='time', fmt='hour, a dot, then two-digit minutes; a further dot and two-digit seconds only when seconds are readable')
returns 8.45.50
